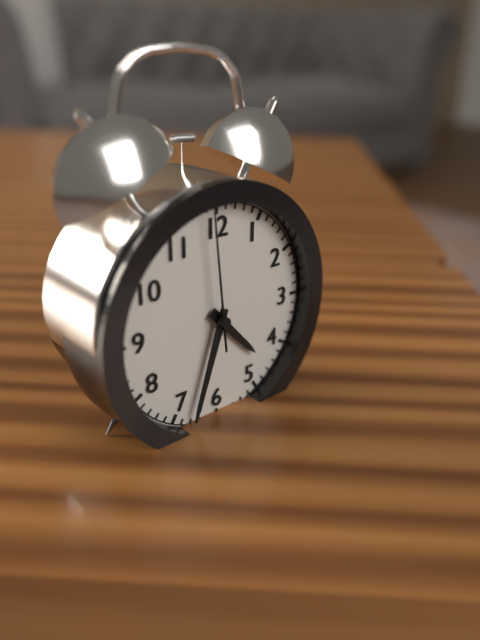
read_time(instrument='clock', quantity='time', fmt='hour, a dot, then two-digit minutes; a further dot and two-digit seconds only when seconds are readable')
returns 4.33.59
